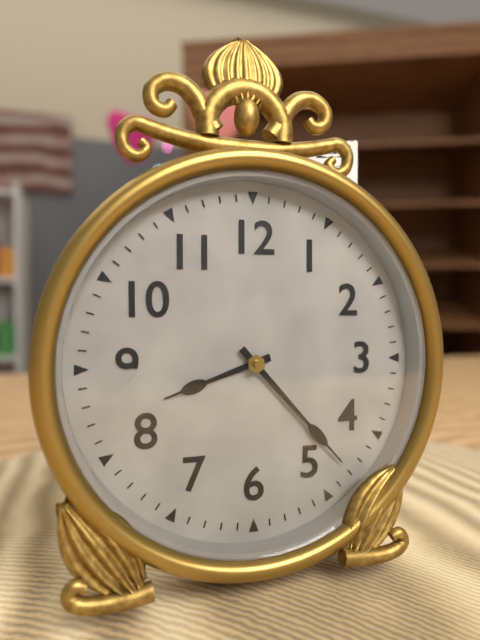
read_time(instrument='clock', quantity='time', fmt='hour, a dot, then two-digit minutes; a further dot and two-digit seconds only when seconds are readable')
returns 8.23
